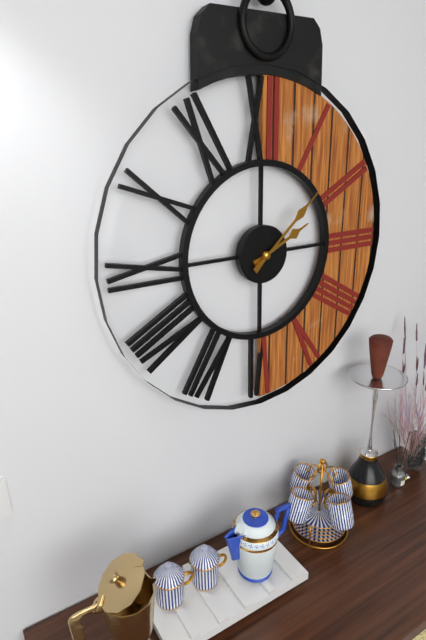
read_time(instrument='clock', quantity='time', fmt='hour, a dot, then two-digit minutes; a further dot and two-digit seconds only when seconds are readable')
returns 2.08
